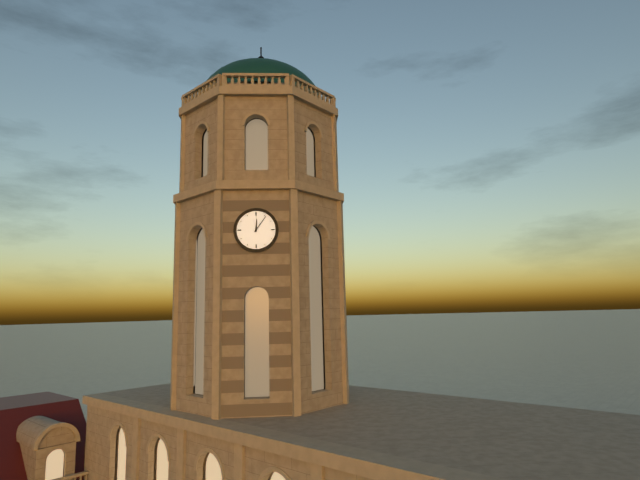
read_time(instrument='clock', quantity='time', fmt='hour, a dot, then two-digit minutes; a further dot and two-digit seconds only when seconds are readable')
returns 12.06
